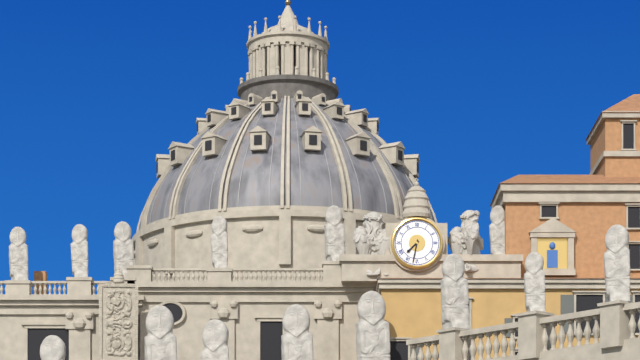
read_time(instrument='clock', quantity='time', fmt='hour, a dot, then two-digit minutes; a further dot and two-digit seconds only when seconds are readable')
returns 7.32
